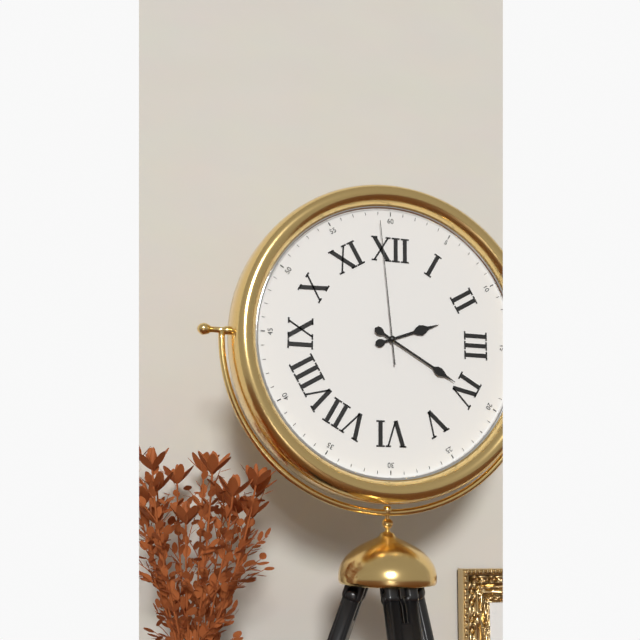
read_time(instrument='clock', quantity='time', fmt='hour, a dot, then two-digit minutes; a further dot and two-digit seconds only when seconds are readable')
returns 2.20.59
